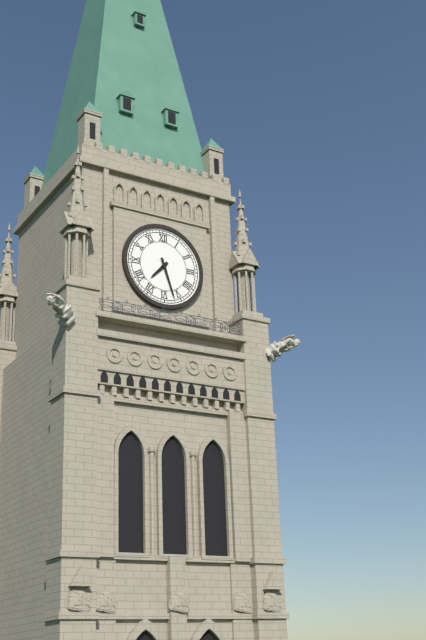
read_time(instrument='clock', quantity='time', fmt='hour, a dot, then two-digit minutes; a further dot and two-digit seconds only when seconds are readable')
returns 7.27
